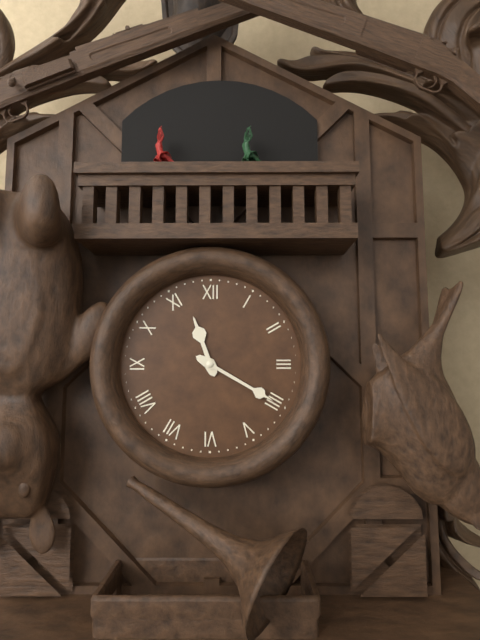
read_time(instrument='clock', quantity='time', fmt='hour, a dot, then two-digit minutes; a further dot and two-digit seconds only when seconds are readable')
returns 11.20
